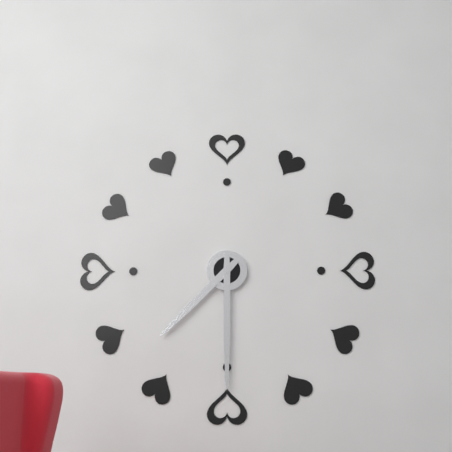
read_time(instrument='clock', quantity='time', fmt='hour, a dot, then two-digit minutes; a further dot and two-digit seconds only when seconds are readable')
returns 7.30
